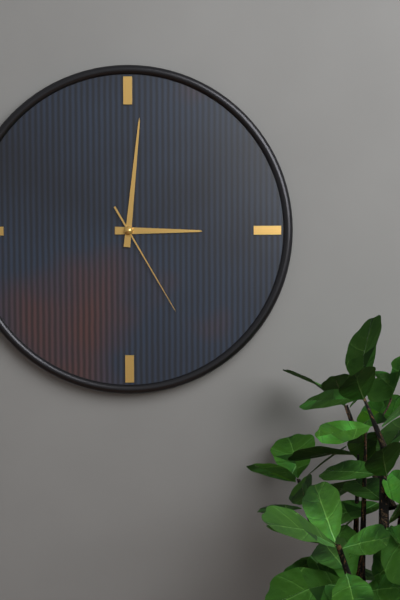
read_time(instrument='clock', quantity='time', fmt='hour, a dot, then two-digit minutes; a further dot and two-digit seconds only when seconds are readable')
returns 3.01.25
